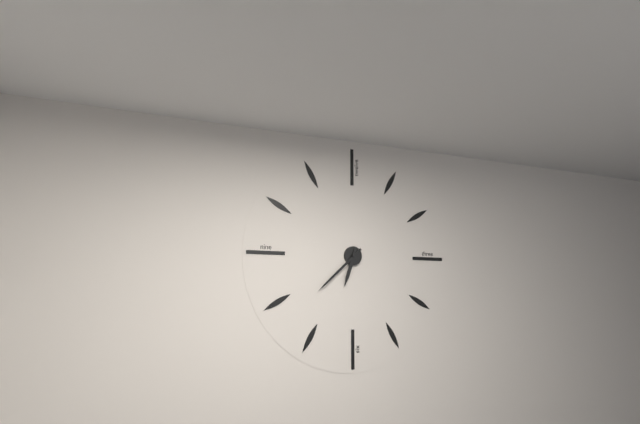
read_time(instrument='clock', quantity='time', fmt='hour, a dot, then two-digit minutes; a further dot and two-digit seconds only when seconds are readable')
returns 6.38
